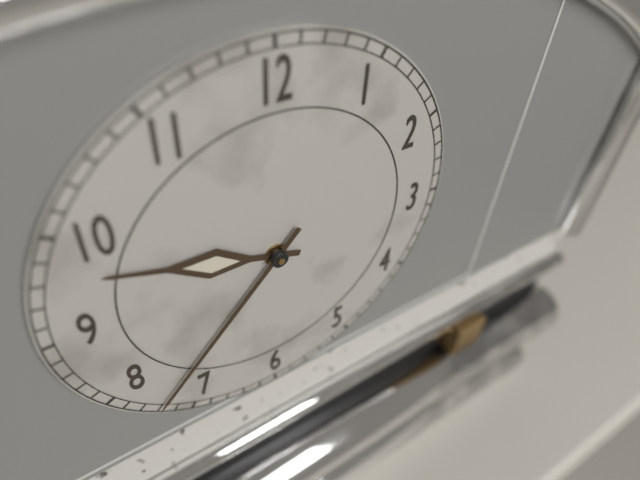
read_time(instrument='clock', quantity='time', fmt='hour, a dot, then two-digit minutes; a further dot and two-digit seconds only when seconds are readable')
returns 9.37
